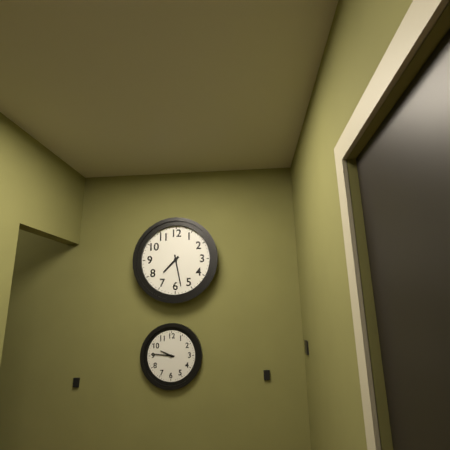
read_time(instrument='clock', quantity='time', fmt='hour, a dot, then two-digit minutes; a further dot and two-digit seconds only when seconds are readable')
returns 7.28
